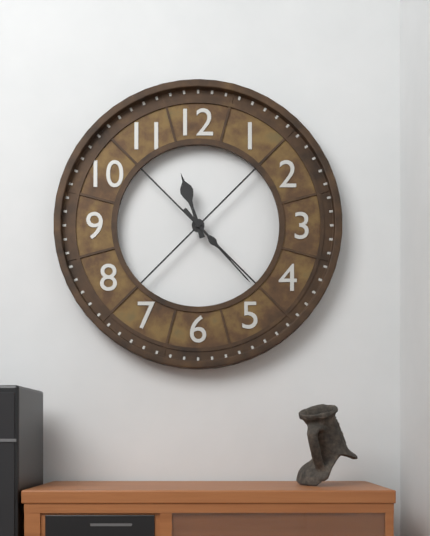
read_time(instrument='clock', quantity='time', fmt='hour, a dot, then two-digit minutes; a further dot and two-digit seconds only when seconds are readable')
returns 11.23
